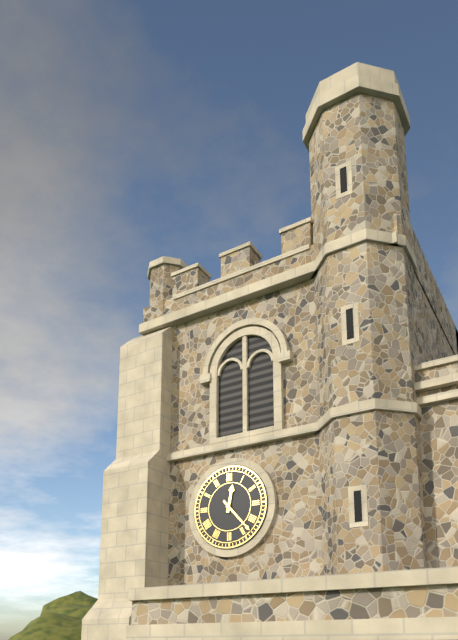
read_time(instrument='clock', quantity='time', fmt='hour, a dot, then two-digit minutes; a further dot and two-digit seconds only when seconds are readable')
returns 12.23
